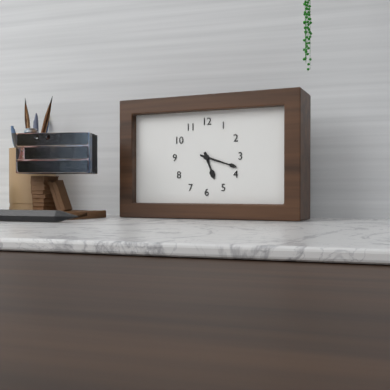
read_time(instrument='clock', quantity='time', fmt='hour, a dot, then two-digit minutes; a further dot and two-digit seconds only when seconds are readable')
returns 5.18
